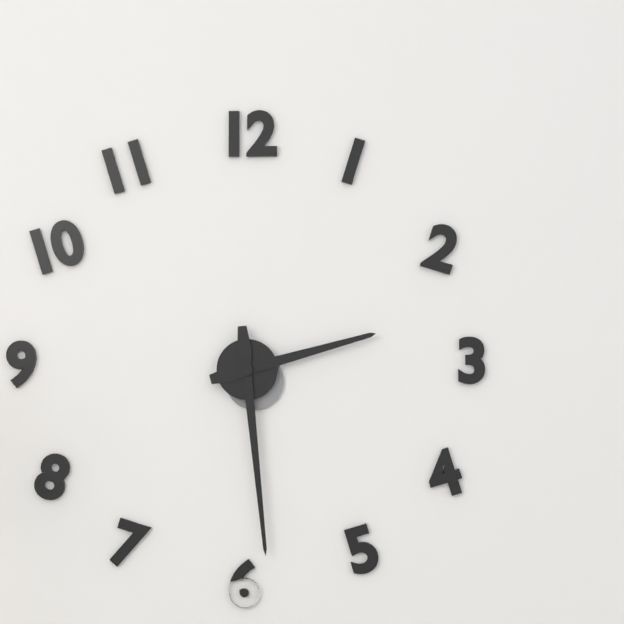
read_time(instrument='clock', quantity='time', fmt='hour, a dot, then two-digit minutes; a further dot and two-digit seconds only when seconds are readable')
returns 2.29
